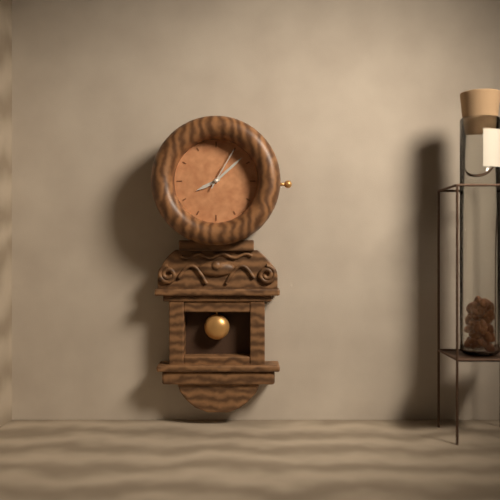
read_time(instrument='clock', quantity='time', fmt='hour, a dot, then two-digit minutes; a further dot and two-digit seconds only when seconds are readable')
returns 8.08
